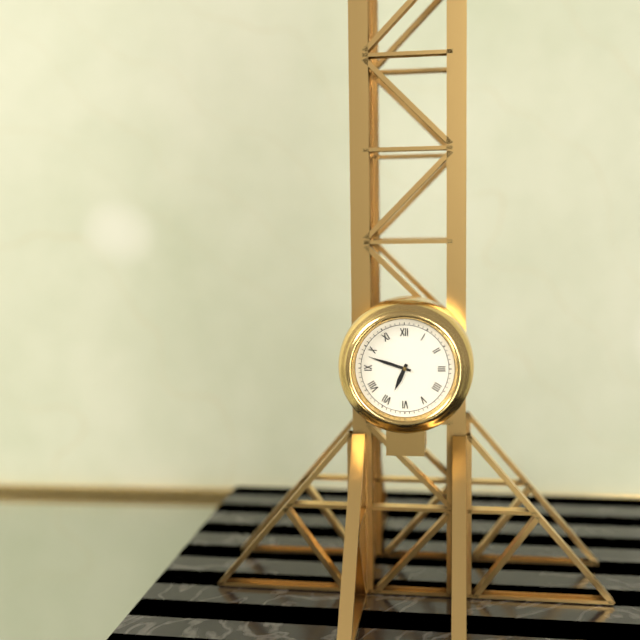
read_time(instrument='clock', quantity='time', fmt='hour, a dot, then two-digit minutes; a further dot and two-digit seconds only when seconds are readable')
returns 6.48
